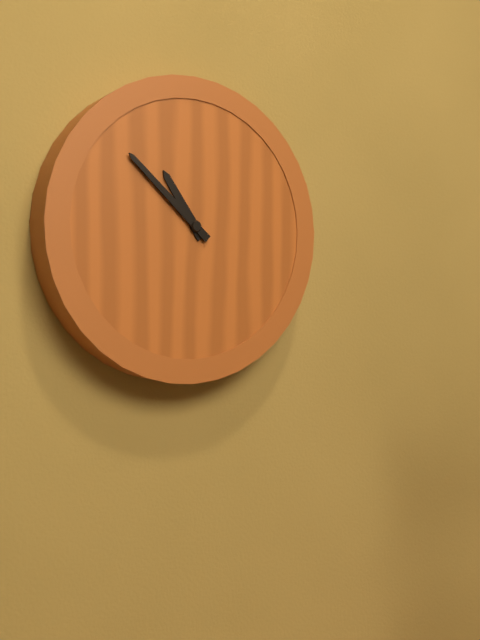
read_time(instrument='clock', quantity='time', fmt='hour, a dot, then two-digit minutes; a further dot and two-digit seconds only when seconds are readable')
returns 10.52
